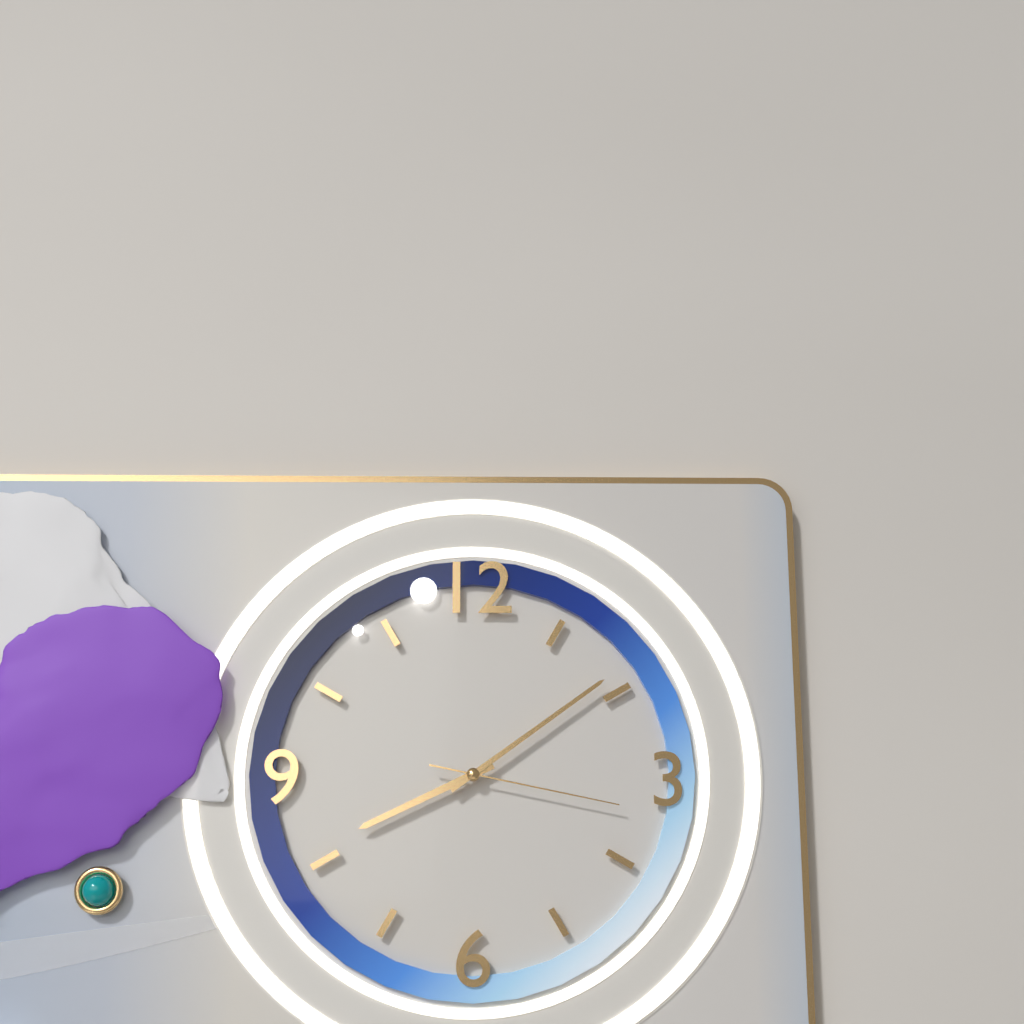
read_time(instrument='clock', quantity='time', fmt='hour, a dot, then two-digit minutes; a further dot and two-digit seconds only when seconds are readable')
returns 8.09.17
